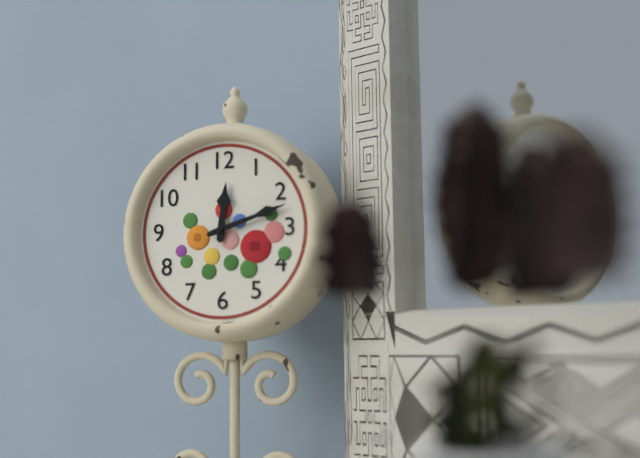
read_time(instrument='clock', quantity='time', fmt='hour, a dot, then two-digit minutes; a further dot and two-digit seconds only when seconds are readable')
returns 12.12
